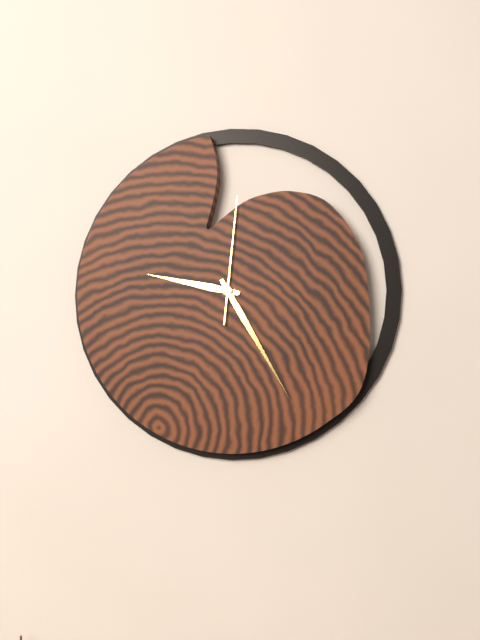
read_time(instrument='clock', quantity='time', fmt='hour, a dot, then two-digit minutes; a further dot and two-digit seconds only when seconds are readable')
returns 9.25.01
